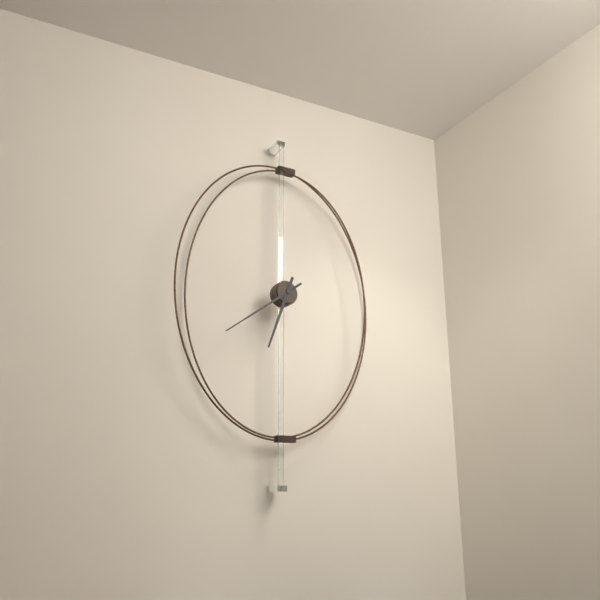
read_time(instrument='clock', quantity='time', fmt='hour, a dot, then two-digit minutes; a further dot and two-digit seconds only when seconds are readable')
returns 6.39
